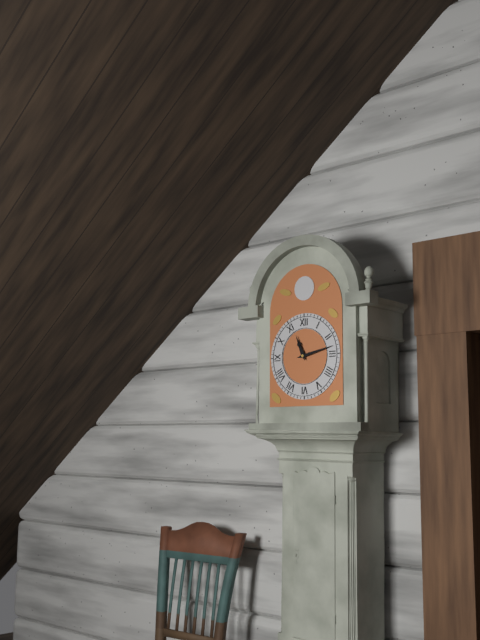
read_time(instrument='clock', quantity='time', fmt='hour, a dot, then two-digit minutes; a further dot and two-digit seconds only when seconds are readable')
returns 11.13
